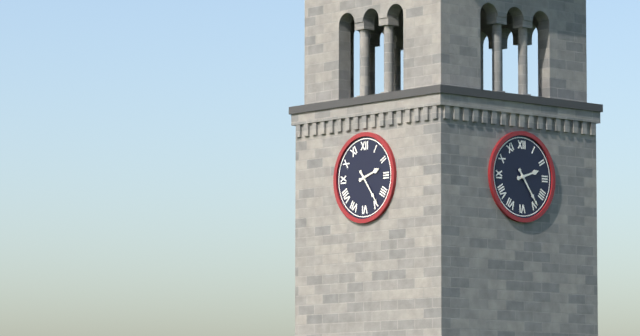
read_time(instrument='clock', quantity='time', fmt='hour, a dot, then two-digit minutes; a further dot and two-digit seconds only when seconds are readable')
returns 2.24
